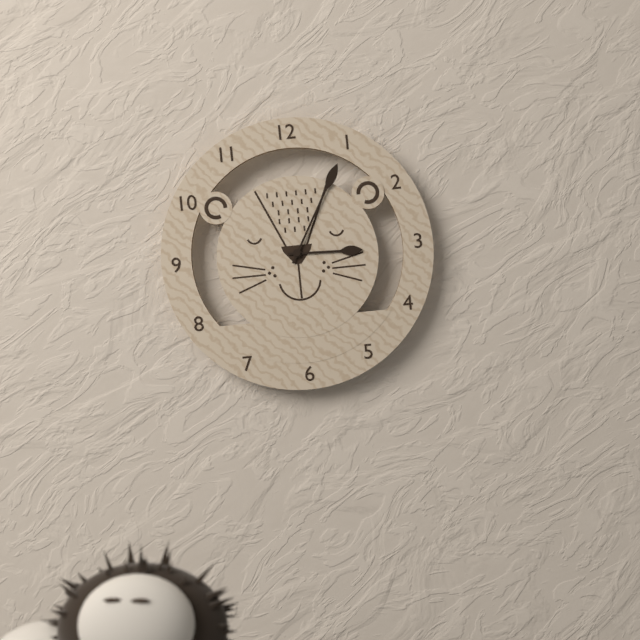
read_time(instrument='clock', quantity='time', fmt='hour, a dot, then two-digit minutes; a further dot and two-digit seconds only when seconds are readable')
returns 3.05
